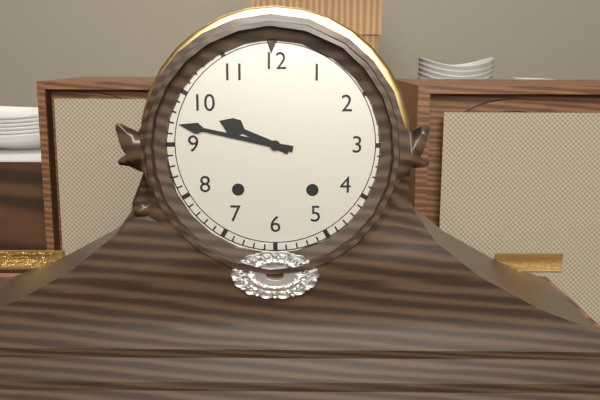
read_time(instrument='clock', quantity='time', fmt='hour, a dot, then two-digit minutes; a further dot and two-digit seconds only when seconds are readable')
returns 9.47
